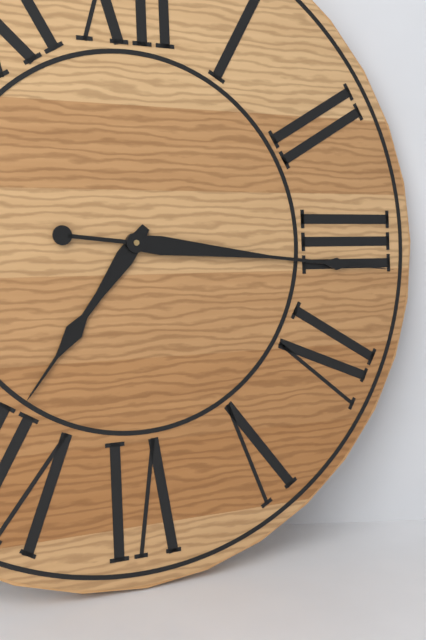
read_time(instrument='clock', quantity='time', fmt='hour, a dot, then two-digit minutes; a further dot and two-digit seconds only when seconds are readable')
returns 7.16
